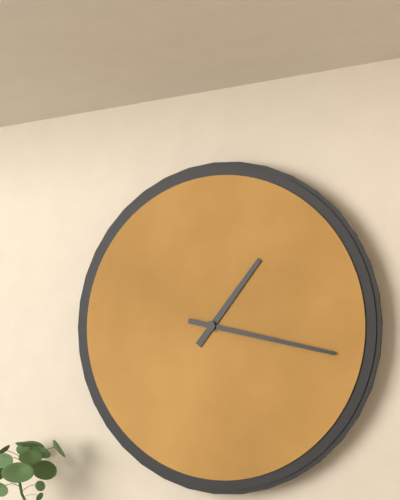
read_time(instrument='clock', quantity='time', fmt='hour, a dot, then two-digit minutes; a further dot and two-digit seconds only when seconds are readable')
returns 1.17
